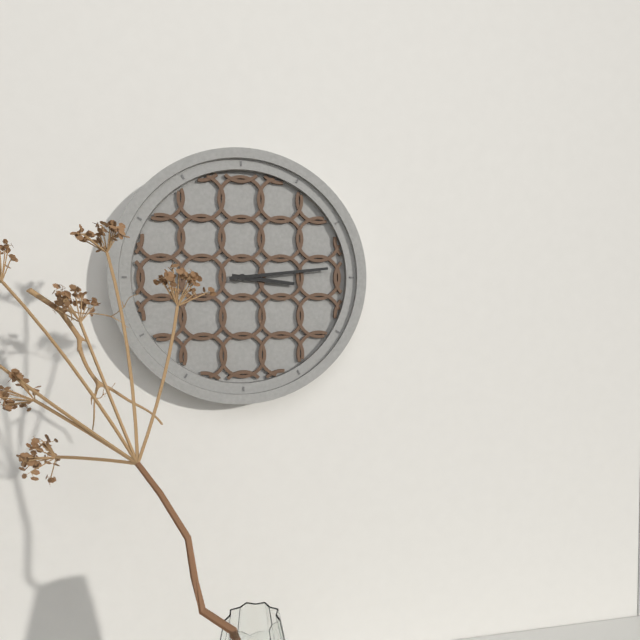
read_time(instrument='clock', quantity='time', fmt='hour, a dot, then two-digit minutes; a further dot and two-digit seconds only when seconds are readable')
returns 3.14
